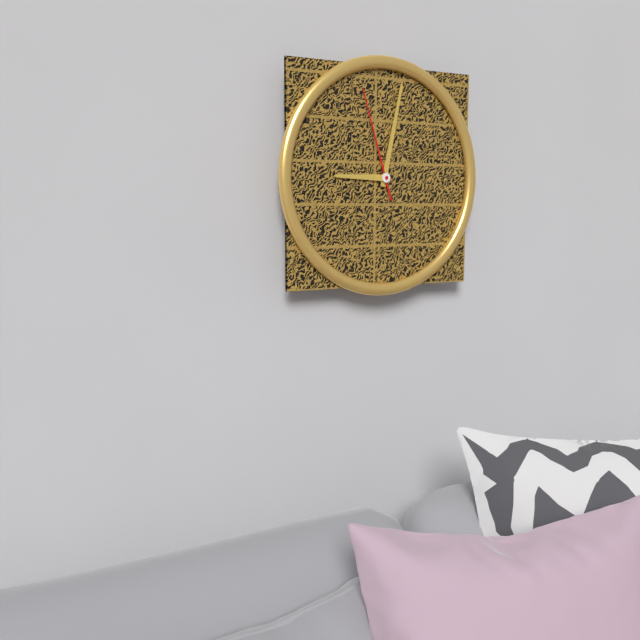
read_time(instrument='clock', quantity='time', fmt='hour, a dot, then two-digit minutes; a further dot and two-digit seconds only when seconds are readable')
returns 9.02.57
